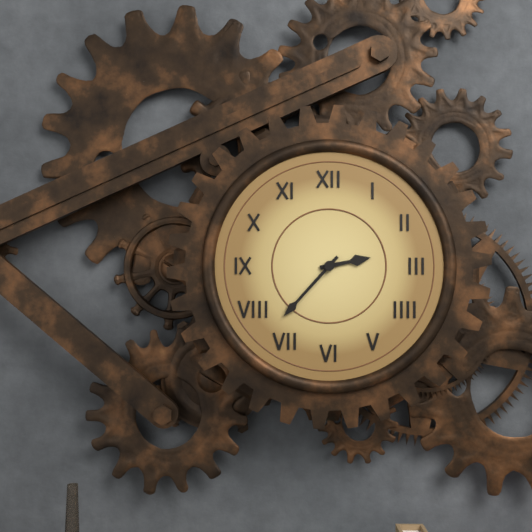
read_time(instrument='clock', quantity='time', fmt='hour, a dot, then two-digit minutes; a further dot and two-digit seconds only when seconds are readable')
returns 2.37
